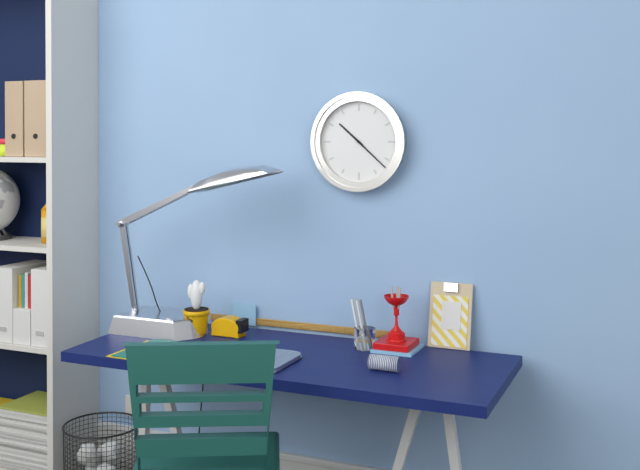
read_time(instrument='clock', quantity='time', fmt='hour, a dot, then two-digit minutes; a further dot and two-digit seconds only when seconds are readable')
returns 10.22
